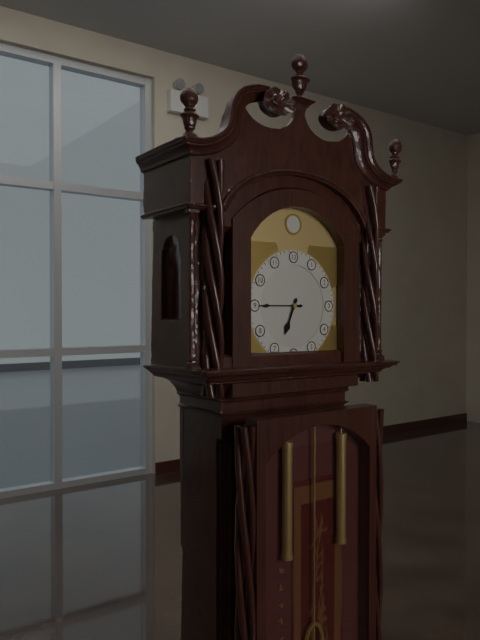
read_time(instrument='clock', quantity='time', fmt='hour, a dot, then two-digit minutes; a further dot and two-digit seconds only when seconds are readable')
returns 6.45
